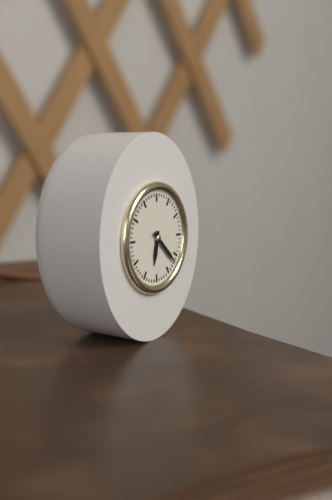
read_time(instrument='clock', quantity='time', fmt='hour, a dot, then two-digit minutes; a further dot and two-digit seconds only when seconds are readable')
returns 6.22
